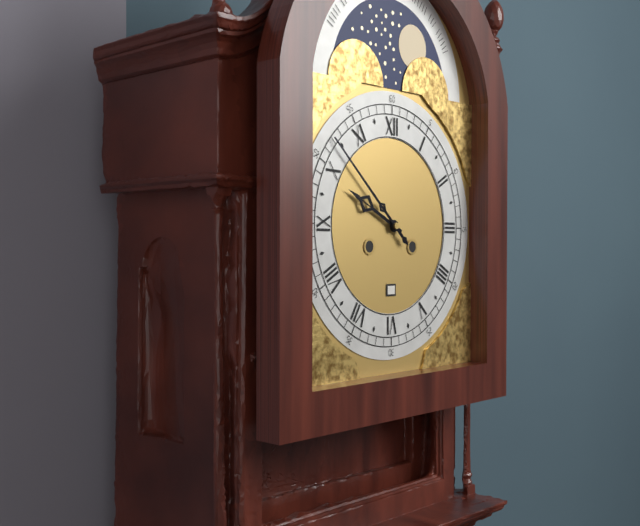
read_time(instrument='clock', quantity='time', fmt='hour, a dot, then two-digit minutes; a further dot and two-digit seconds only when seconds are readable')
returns 9.52
